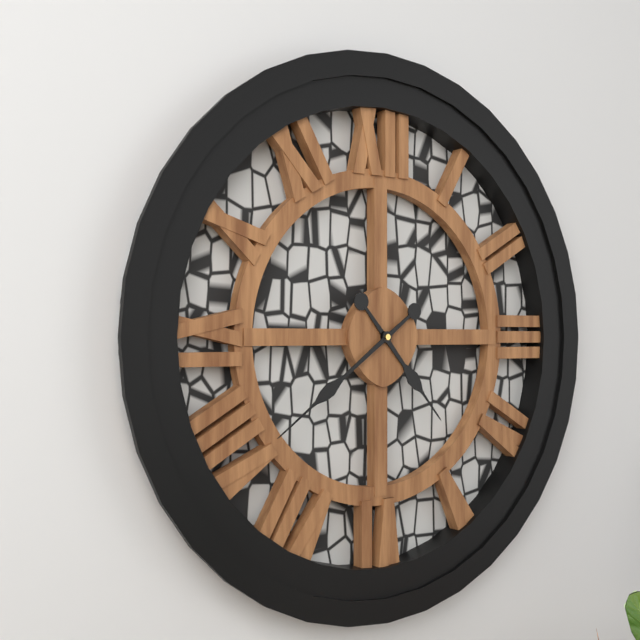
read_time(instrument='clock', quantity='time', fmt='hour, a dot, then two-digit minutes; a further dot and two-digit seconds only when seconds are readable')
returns 4.39
